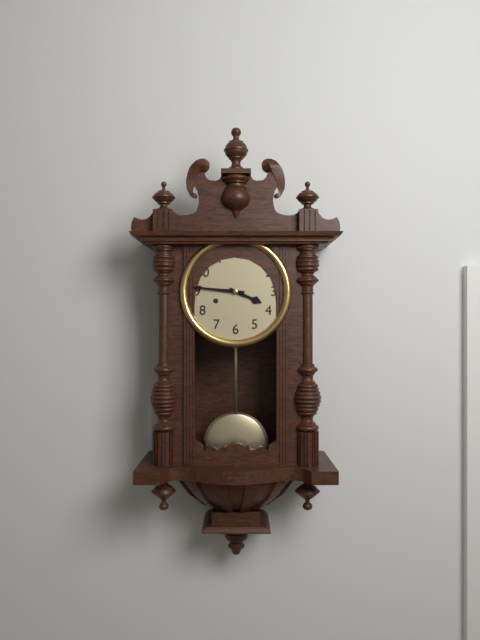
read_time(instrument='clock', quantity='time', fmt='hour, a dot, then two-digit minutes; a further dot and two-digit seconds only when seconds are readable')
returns 3.46
